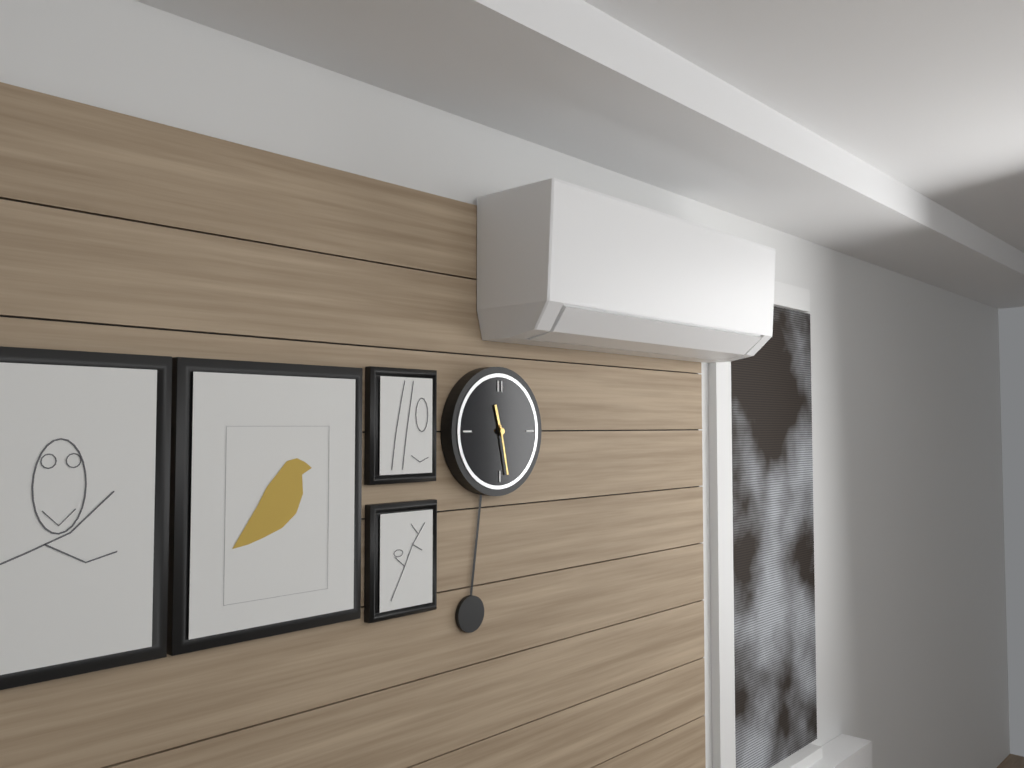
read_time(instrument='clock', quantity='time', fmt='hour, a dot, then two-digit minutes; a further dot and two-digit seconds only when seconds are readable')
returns 11.28
